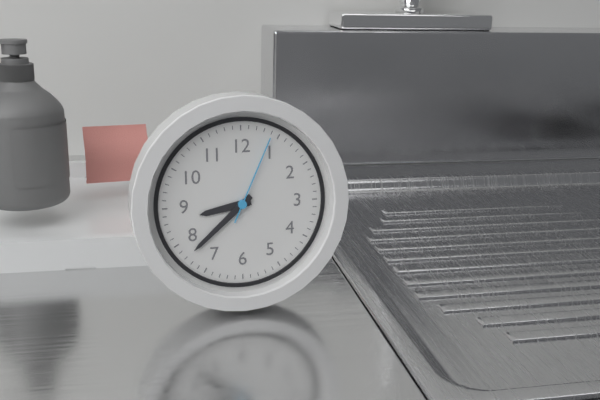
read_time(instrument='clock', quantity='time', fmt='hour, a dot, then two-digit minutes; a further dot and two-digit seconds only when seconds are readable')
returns 8.38.04
